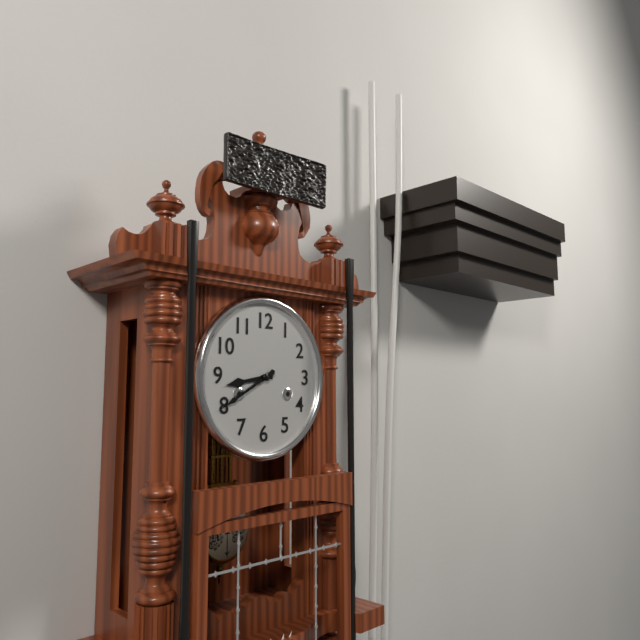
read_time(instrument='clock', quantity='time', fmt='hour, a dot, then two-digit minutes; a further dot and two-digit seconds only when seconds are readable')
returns 8.40
